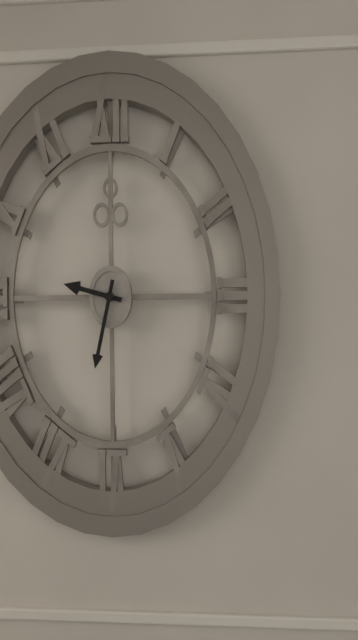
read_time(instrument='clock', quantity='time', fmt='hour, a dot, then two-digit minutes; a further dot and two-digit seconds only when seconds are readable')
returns 9.32
